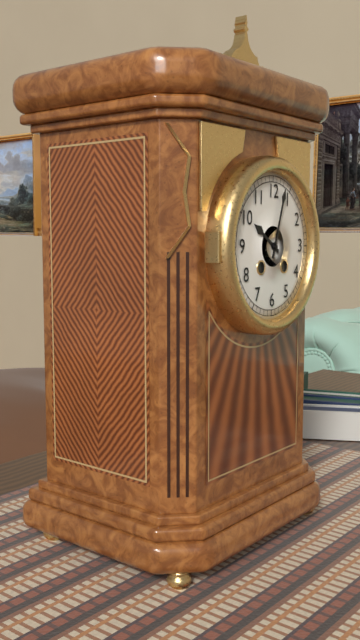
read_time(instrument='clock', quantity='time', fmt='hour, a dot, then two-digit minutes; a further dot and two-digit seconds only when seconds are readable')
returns 10.03
